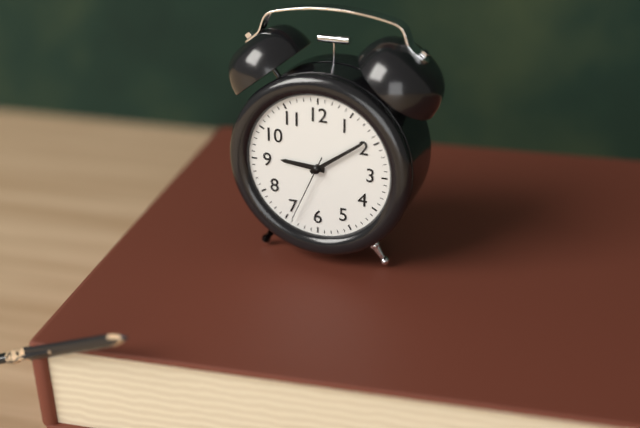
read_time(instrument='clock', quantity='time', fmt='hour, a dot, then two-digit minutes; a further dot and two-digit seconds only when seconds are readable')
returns 9.09.34
